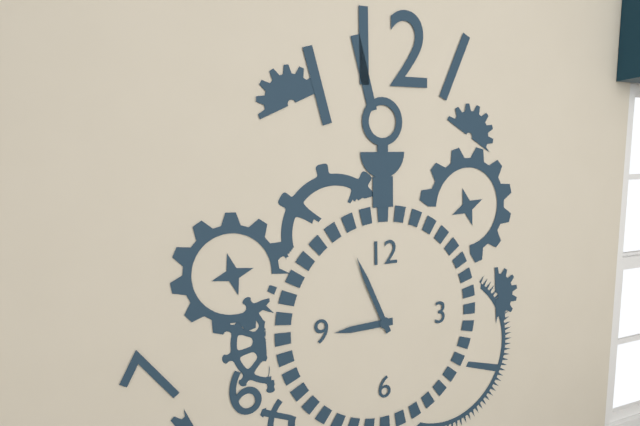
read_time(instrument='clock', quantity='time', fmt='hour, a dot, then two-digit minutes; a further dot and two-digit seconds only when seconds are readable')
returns 8.56
